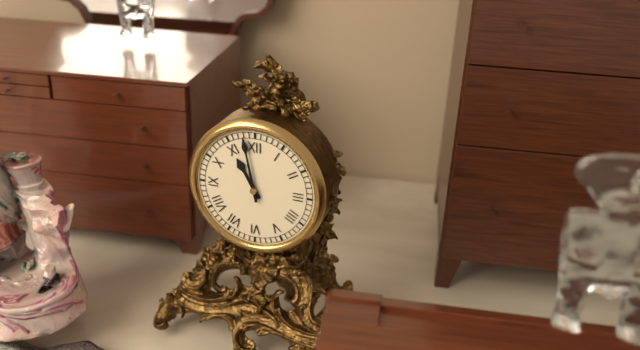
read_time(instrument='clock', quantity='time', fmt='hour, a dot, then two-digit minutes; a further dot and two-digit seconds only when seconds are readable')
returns 10.58
